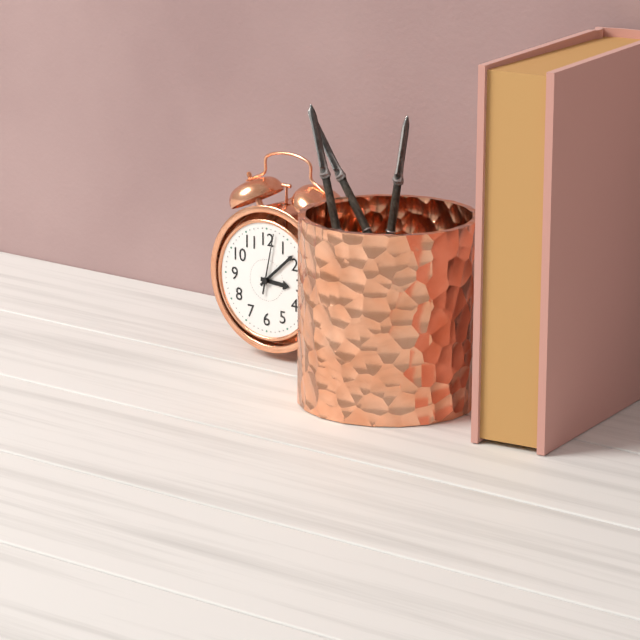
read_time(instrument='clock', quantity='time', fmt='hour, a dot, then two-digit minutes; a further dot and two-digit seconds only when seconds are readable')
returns 3.08.02
